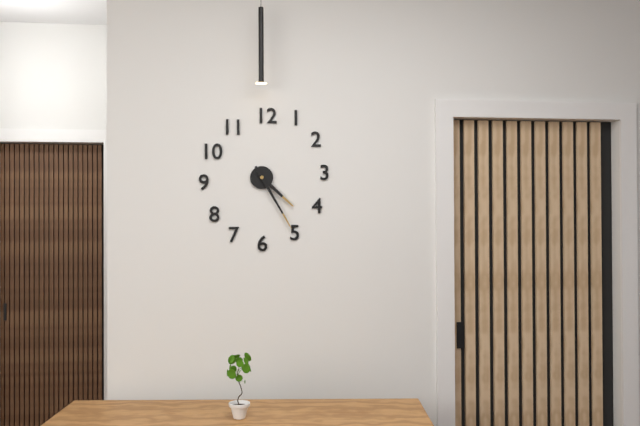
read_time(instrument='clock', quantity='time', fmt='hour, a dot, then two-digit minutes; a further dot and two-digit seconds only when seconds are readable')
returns 4.25
